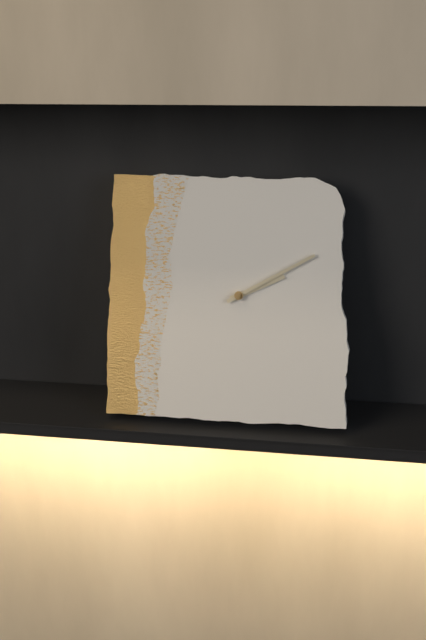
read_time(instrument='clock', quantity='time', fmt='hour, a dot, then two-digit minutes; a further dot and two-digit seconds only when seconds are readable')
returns 2.10
